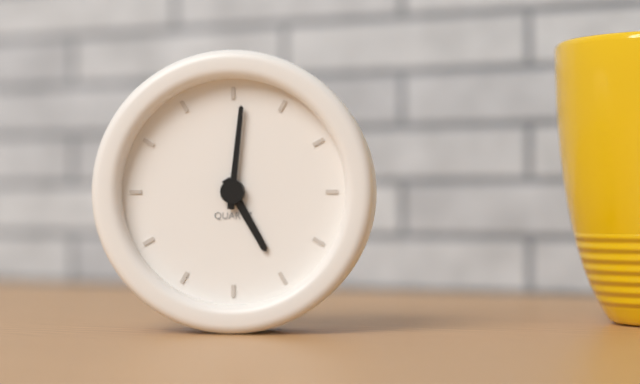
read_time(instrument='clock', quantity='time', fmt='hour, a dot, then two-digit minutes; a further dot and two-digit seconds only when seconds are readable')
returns 5.01
